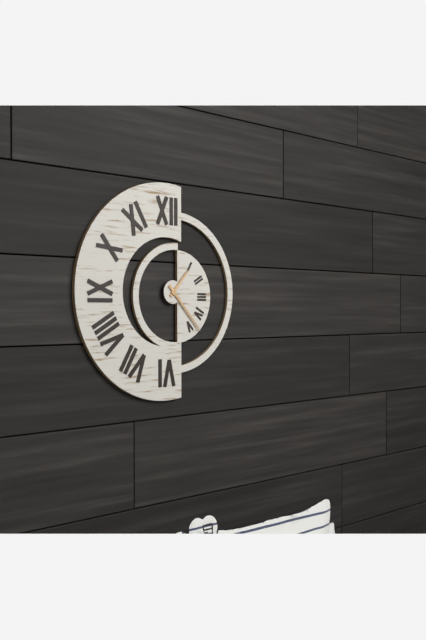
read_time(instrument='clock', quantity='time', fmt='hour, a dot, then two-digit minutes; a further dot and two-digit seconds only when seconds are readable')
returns 1.23
